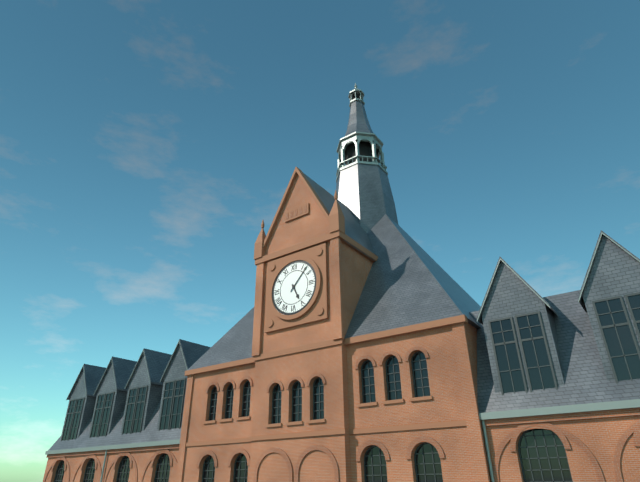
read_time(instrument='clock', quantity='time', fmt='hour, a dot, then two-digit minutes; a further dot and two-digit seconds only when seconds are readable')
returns 5.07
